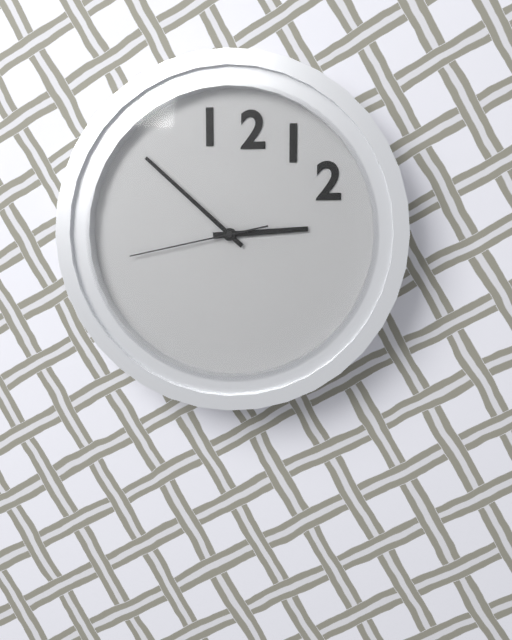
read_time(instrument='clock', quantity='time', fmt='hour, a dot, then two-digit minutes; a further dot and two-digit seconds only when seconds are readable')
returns 2.52.43
